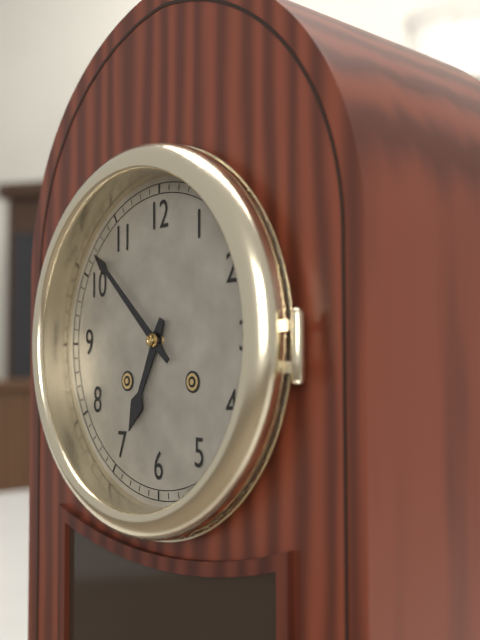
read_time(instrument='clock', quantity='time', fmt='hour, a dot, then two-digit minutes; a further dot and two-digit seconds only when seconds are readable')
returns 6.52
